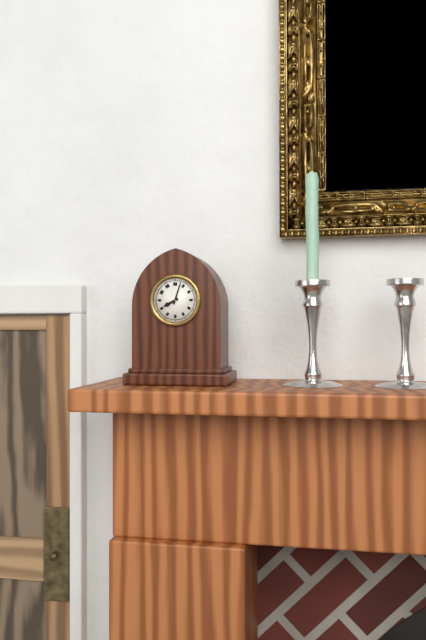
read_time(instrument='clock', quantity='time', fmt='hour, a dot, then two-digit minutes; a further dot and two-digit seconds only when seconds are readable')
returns 8.03
